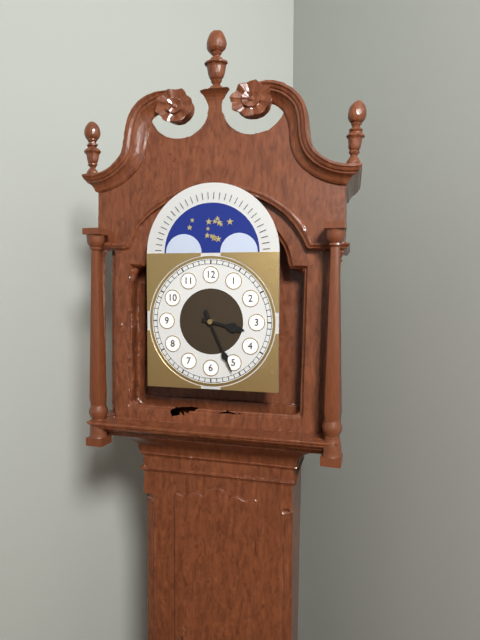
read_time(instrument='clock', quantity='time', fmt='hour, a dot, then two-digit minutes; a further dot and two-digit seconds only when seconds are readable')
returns 3.26
